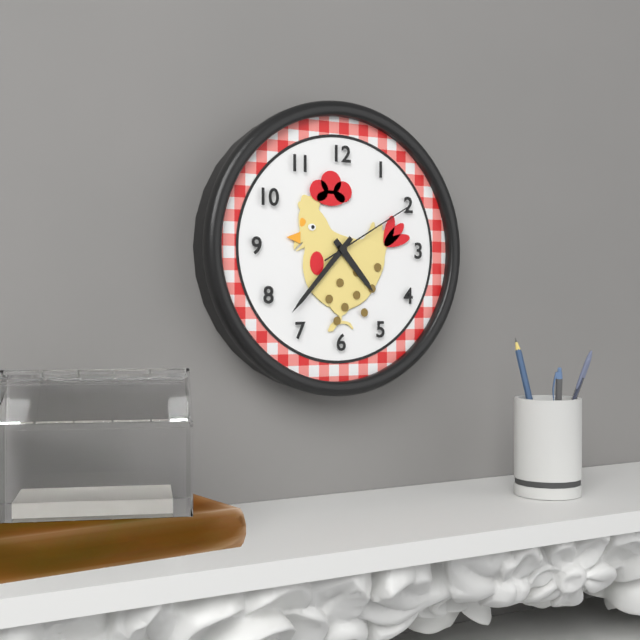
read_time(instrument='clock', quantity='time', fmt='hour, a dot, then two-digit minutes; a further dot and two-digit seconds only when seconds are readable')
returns 4.37.10
